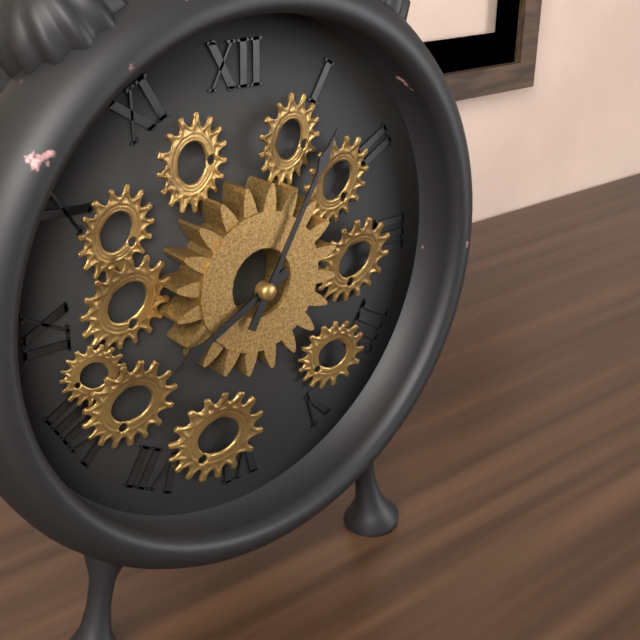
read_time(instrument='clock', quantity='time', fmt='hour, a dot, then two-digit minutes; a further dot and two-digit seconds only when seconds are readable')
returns 8.05
